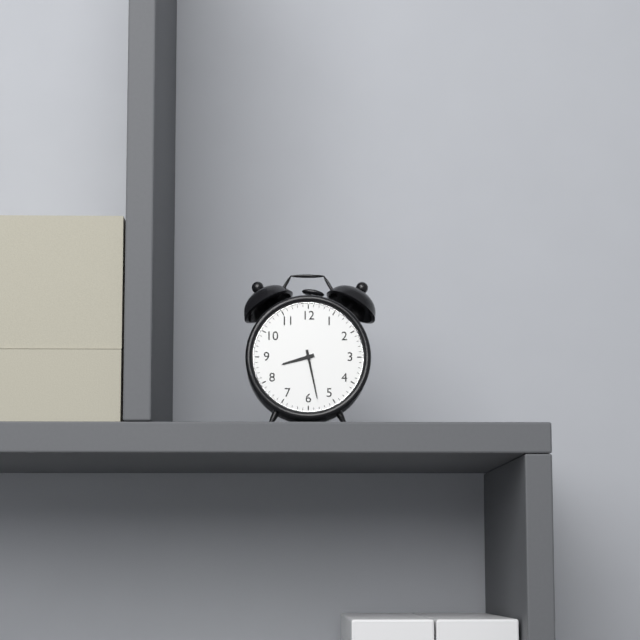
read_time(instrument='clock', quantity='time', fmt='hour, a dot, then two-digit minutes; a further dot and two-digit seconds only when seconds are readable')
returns 8.28
